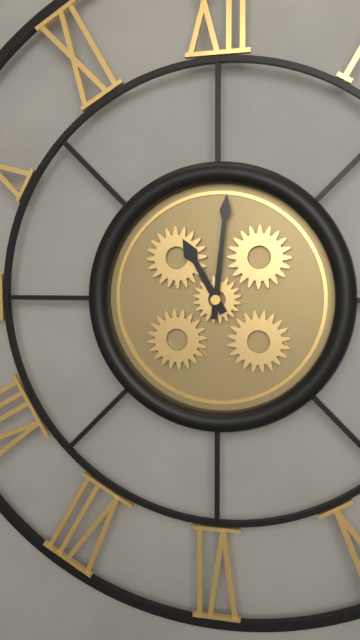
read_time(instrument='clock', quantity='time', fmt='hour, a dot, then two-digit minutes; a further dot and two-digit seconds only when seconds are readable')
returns 11.01
